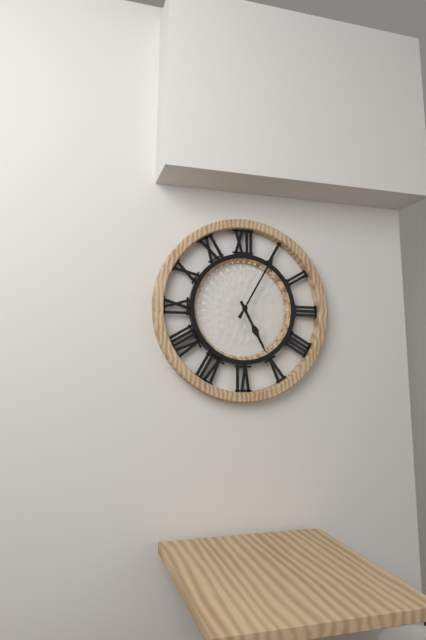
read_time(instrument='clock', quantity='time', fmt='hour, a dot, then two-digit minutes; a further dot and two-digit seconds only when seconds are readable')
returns 5.05
